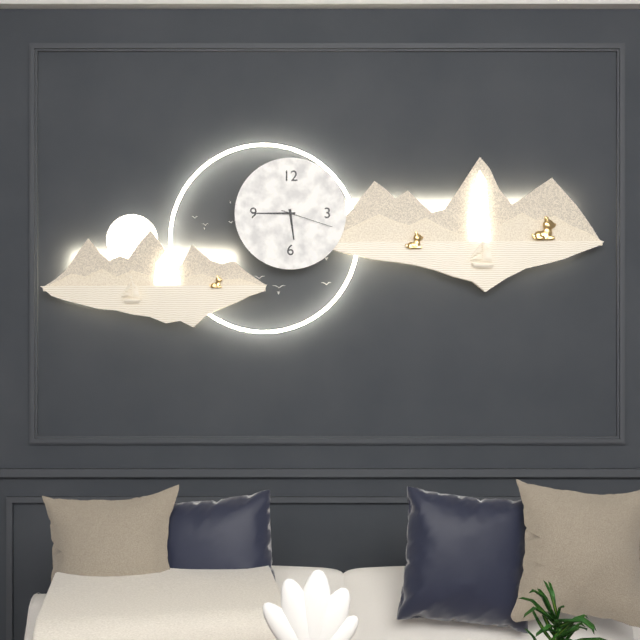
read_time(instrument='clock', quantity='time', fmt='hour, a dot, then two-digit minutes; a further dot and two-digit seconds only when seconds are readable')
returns 5.45.18
